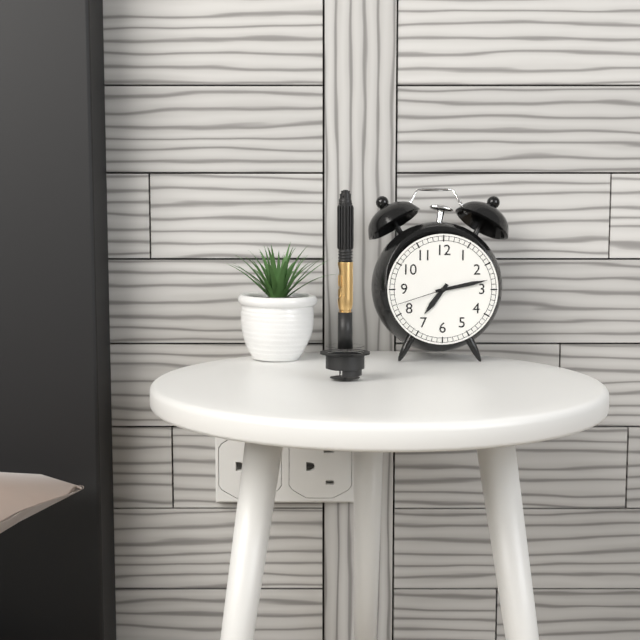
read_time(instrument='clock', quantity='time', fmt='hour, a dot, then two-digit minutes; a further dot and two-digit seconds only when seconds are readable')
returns 7.13.42
